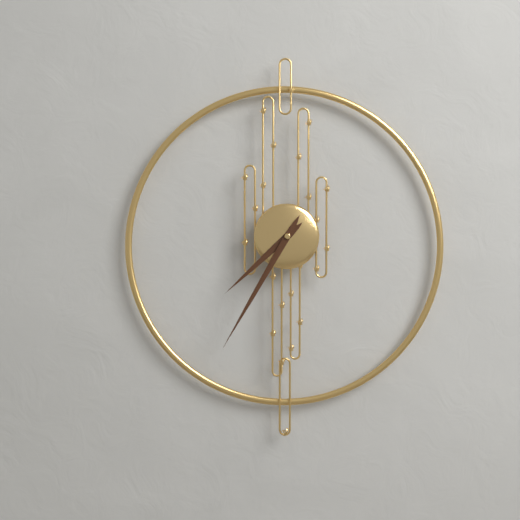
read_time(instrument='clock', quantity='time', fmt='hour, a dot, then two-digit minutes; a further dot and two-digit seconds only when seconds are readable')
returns 7.35
